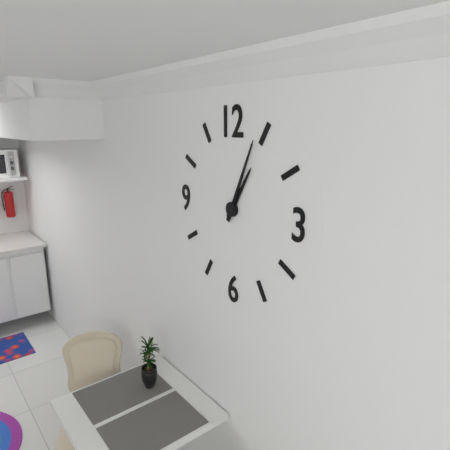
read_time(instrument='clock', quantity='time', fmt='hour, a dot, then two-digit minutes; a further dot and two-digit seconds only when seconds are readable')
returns 1.04
